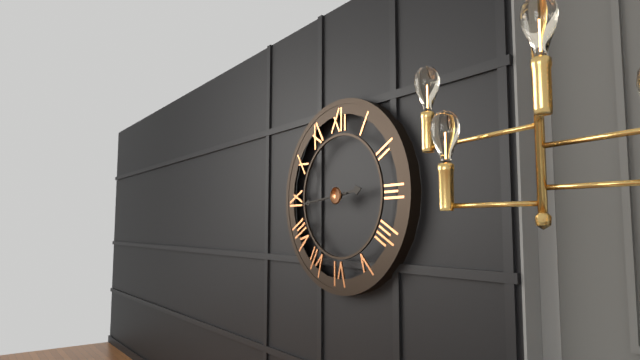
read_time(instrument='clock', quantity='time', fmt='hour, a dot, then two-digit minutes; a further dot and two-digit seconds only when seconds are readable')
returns 2.44
